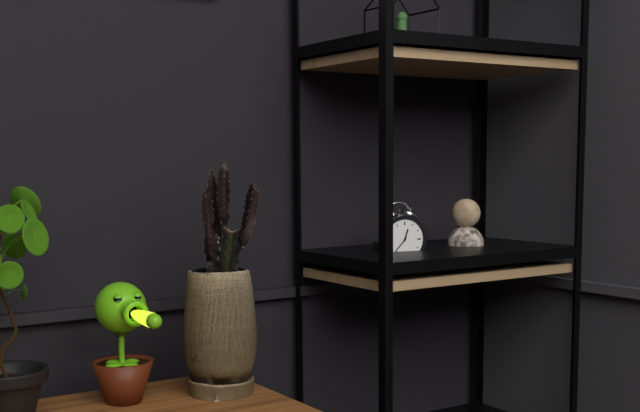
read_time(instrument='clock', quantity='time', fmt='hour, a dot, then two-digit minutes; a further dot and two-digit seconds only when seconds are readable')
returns 12.37
